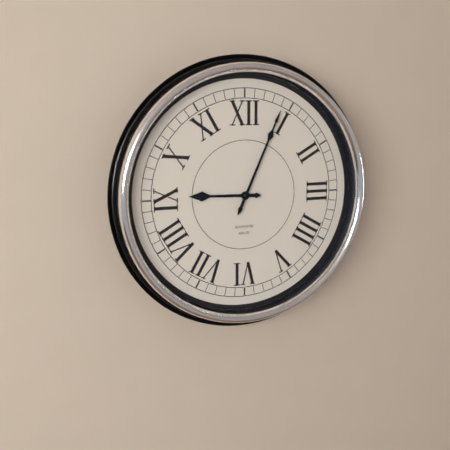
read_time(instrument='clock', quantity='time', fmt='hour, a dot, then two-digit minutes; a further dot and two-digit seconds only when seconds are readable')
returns 9.04
